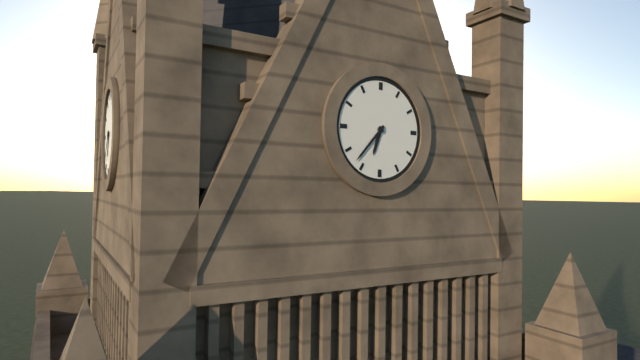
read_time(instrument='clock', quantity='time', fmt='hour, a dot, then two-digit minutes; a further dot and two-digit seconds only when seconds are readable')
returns 6.37
